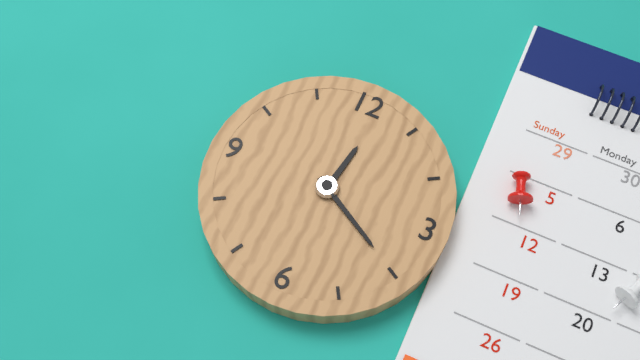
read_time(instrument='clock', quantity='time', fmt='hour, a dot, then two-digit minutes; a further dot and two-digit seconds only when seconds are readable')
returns 12.20
